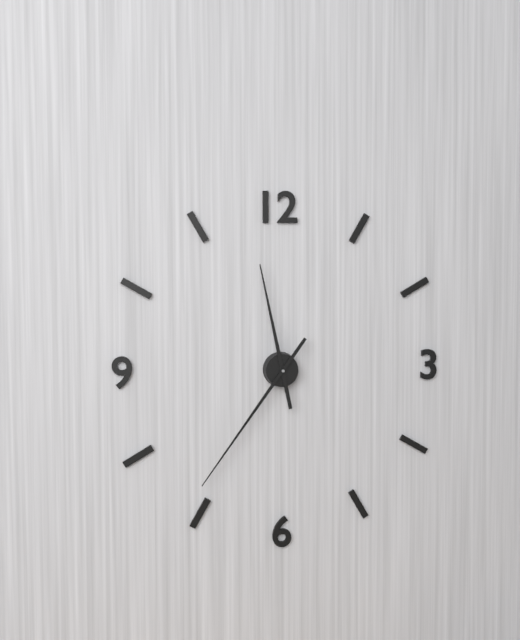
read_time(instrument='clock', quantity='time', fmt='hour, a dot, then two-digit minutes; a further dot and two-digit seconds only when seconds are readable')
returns 11.36
